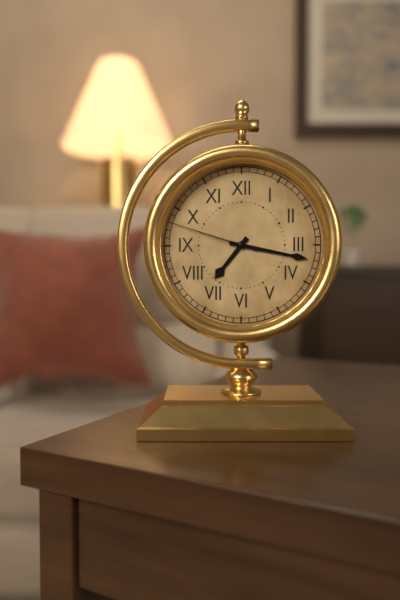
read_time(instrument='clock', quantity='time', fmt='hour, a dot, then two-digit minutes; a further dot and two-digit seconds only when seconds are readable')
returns 7.17.48
